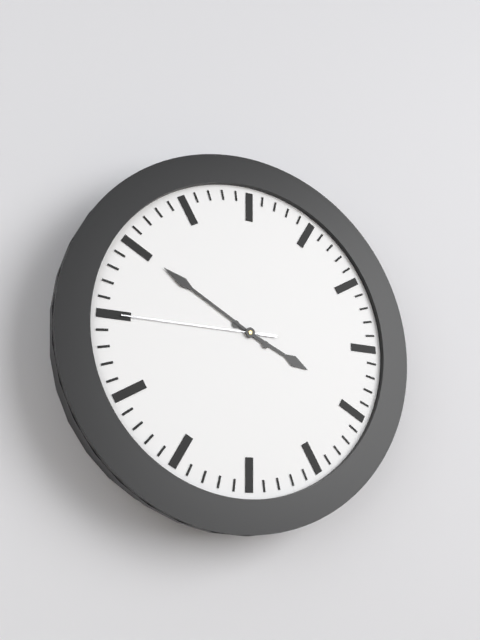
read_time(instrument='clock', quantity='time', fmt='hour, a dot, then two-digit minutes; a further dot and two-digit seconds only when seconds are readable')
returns 3.50.45
